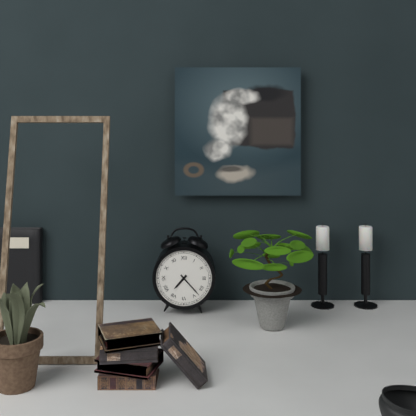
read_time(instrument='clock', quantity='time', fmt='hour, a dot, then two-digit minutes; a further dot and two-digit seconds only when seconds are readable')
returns 7.23
